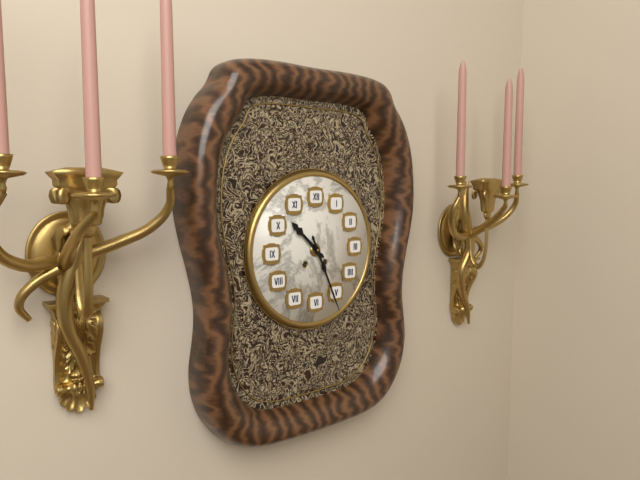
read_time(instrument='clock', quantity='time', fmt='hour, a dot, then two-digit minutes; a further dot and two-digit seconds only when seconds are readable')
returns 10.26
